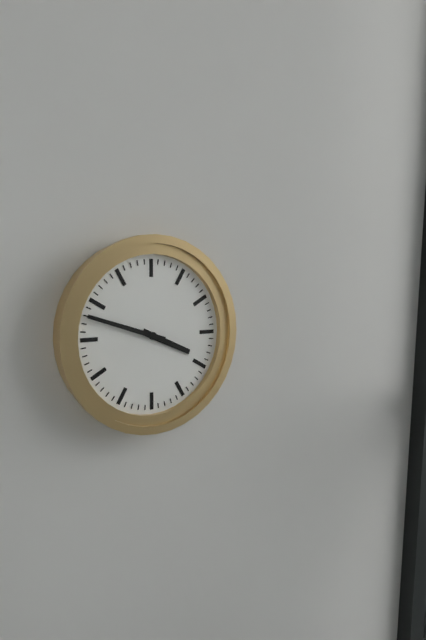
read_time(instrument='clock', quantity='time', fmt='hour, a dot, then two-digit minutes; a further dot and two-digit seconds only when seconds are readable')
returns 3.48
